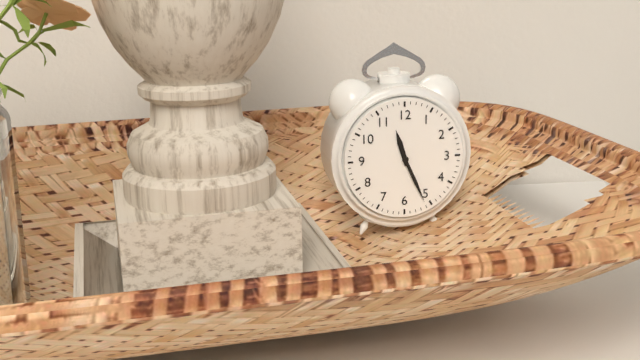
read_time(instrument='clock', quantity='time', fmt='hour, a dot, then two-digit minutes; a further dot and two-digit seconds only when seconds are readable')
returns 11.26
